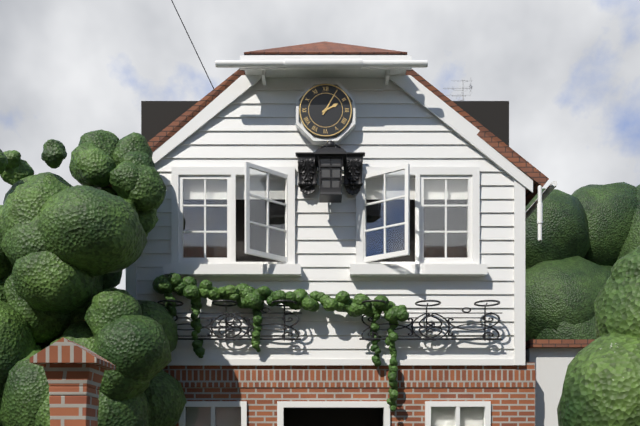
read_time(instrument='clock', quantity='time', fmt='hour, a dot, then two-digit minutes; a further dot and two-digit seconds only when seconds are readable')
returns 2.05
